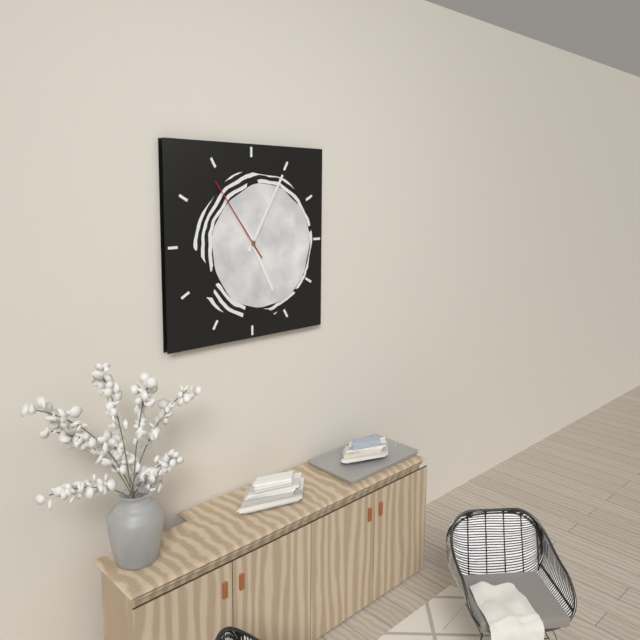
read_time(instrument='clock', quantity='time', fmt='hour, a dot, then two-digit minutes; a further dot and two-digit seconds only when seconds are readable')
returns 5.05.54
